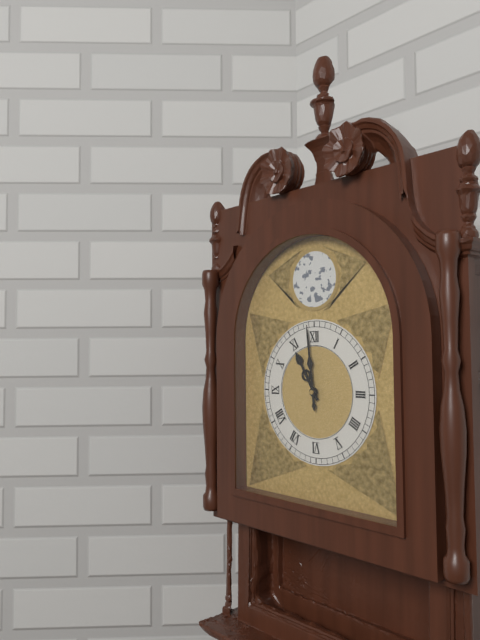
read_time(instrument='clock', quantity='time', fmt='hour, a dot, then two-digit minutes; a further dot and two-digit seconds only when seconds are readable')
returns 10.59
